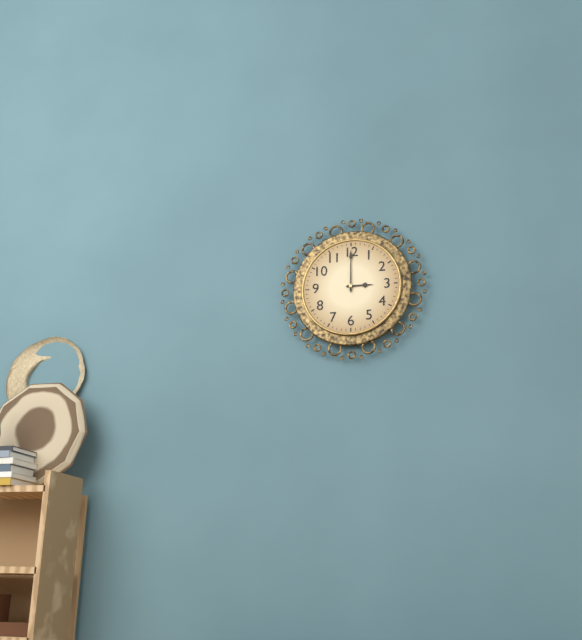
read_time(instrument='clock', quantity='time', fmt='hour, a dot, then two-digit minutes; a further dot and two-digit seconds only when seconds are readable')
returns 3.00
